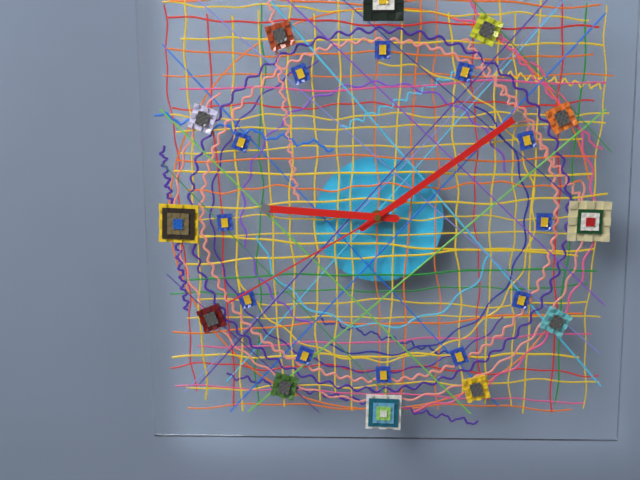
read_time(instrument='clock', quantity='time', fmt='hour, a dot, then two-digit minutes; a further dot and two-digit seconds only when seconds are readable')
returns 9.09.40
